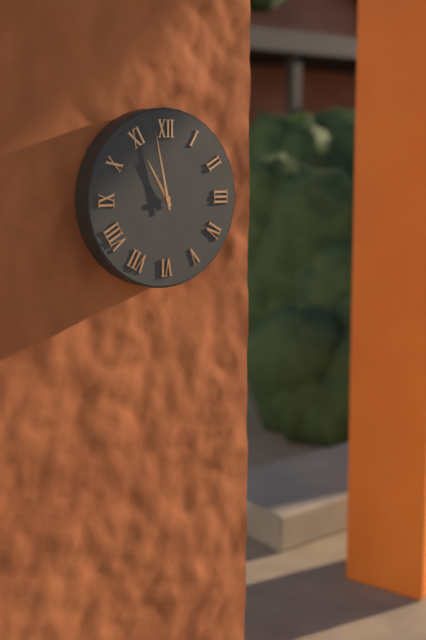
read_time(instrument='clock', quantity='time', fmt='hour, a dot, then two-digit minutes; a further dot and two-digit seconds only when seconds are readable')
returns 10.58
